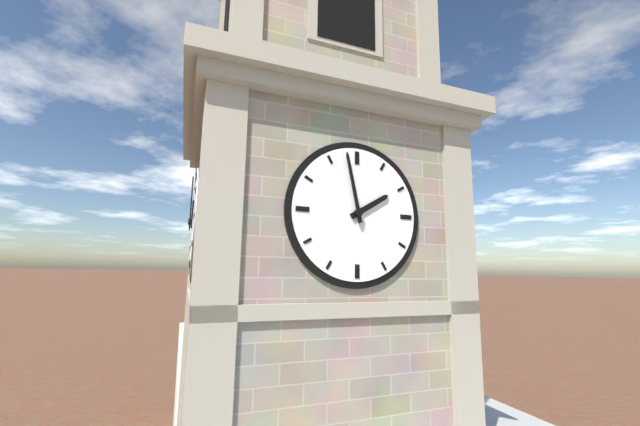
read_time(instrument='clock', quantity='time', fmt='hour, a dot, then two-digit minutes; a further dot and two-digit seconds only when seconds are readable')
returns 1.58
